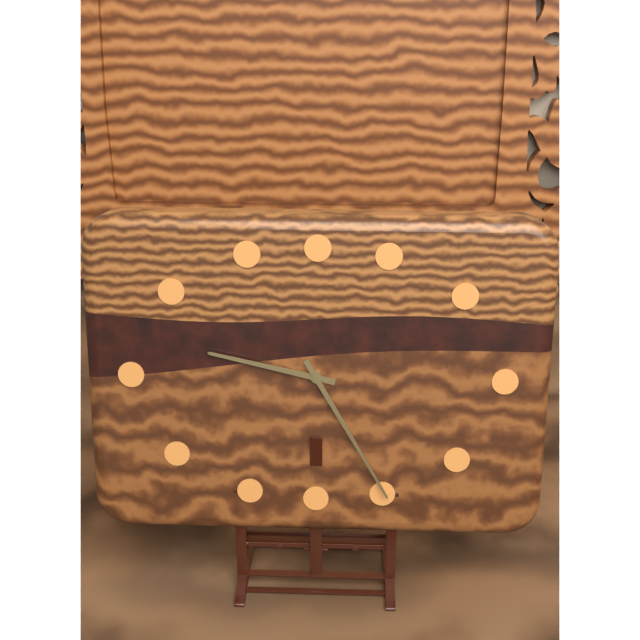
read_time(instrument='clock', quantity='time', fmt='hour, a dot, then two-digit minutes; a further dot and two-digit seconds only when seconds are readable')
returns 9.25
